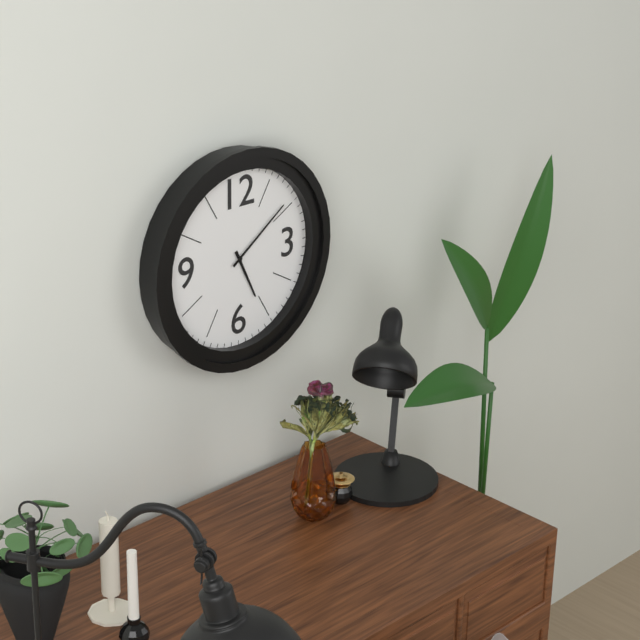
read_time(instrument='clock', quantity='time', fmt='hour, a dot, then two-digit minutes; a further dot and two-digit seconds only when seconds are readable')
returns 5.09
